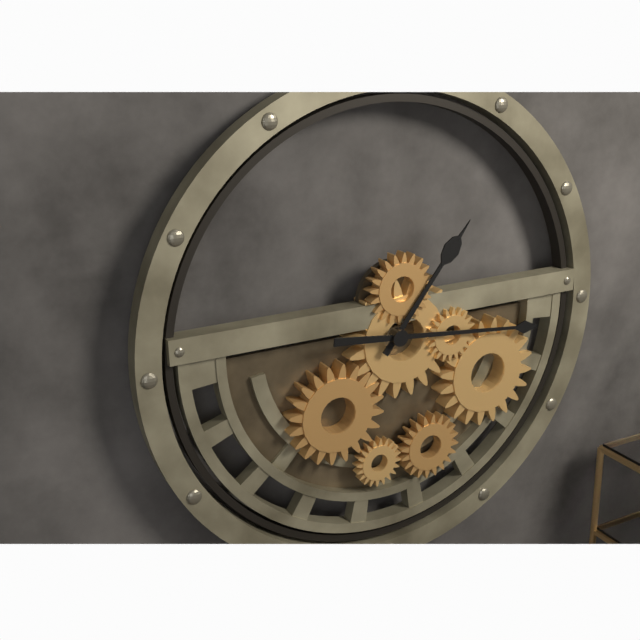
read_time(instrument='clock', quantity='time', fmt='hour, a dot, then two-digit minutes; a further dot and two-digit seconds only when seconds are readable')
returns 1.16
